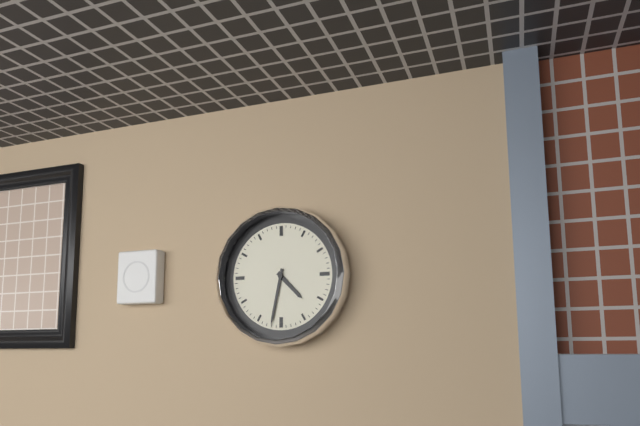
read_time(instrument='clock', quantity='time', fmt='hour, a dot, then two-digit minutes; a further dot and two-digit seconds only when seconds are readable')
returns 4.32
